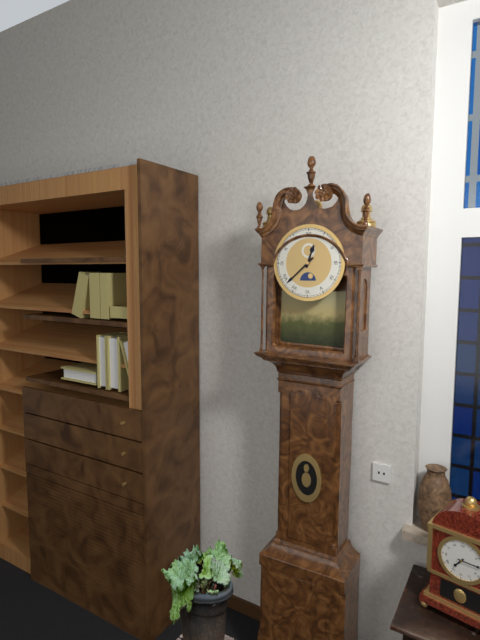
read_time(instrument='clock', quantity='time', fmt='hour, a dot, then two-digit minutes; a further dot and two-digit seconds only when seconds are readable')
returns 12.38
